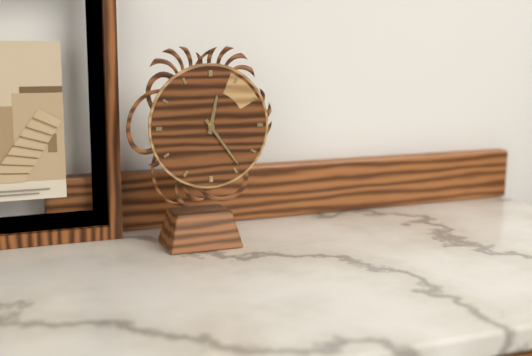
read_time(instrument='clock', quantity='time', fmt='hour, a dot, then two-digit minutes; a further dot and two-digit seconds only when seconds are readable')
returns 12.24
